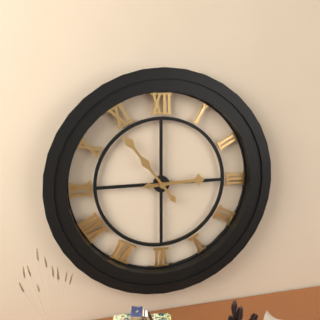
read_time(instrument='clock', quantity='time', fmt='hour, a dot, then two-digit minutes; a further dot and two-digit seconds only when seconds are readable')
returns 2.54
